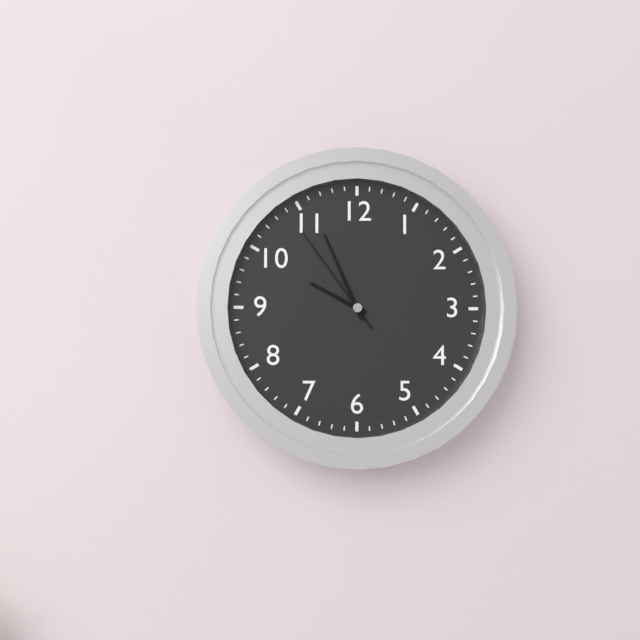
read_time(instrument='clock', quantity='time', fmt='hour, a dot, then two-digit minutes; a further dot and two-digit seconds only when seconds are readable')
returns 9.56.54
